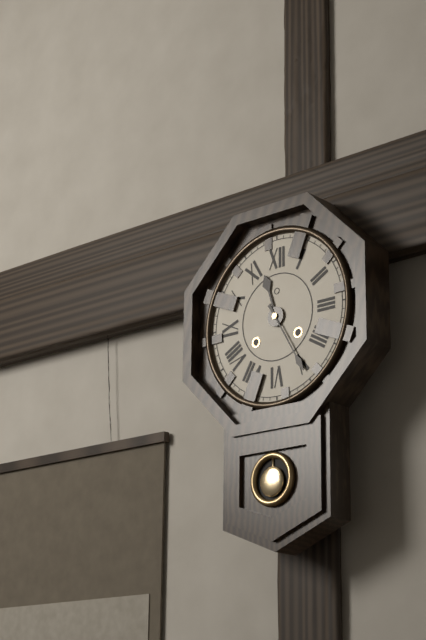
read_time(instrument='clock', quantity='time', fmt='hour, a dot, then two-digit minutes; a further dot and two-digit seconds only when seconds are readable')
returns 11.25
